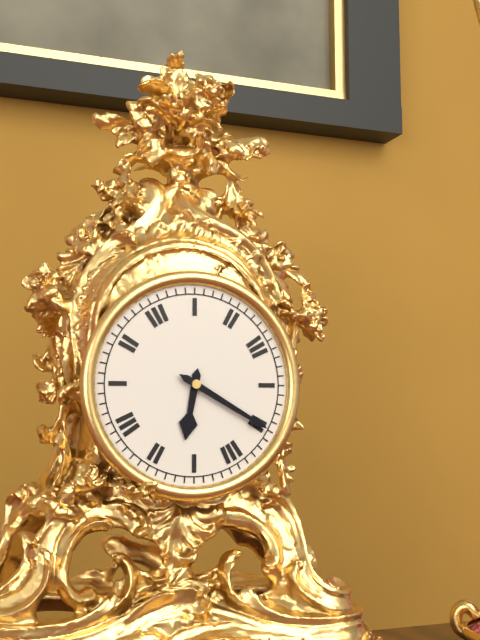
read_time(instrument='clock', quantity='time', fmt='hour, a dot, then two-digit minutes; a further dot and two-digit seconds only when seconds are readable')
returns 6.20
